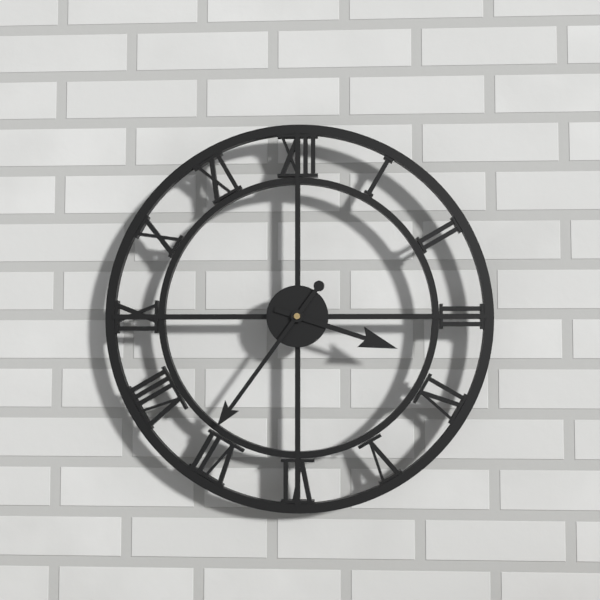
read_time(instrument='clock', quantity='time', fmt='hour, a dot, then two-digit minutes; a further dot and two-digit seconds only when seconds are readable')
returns 3.36
